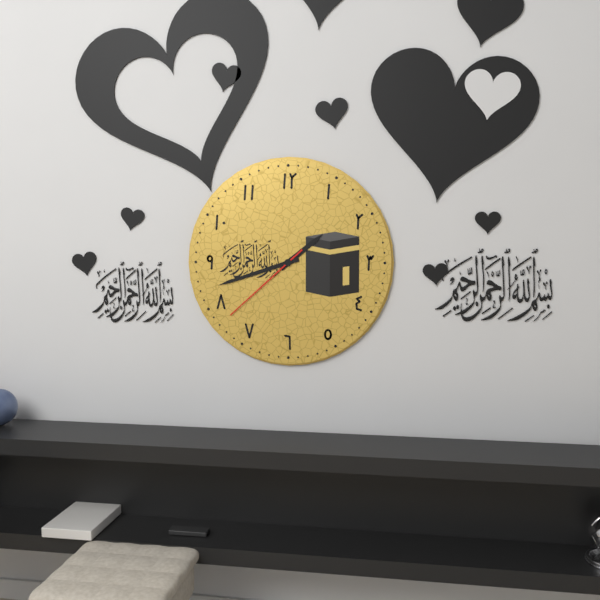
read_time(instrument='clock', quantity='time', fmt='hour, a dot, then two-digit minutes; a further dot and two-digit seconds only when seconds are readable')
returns 1.42.38
